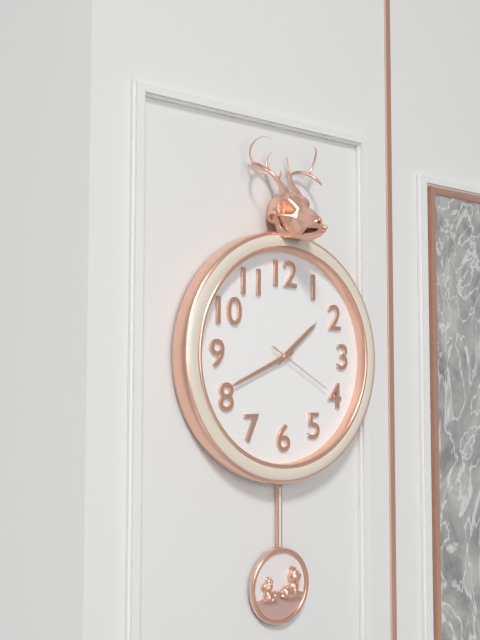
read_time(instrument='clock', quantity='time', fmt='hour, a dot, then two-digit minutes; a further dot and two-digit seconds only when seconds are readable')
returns 1.41.20
